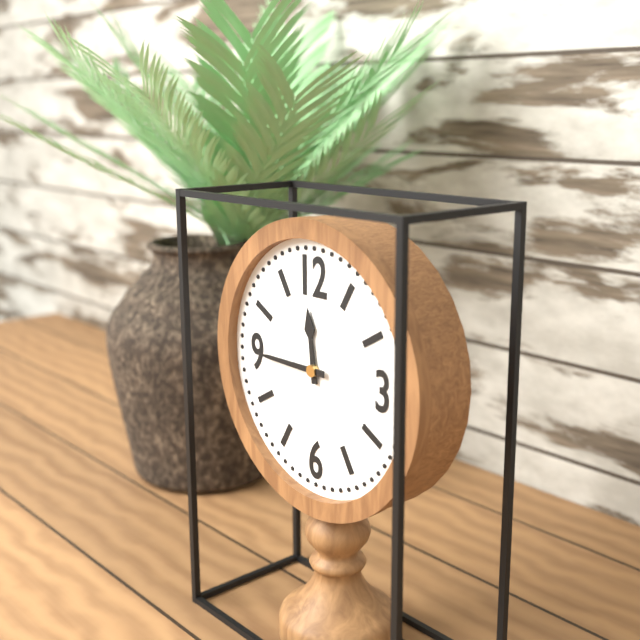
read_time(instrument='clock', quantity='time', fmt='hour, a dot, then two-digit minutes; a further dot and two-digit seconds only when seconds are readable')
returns 11.45
